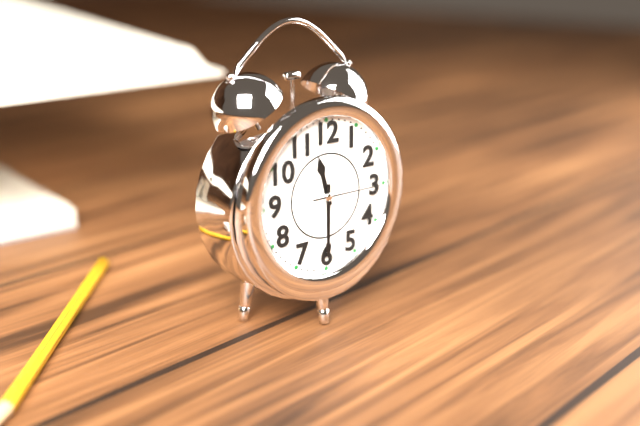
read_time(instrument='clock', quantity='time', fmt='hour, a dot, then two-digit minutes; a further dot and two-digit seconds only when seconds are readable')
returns 11.30.15
